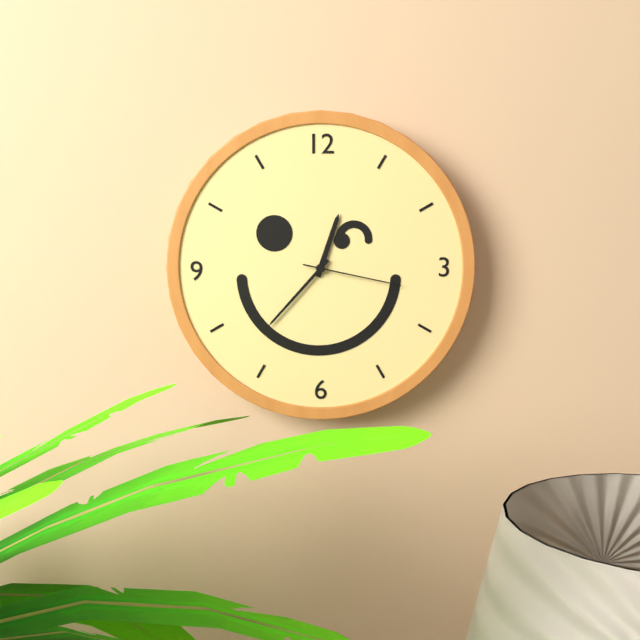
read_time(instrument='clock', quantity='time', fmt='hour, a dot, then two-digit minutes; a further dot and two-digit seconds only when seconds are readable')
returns 12.37.17
